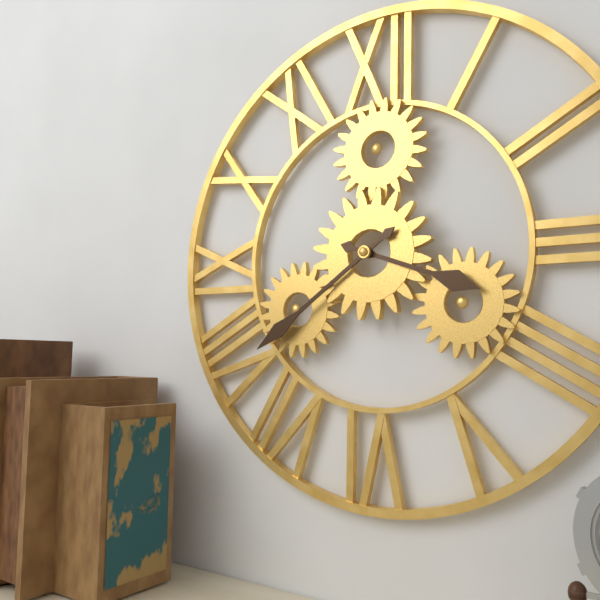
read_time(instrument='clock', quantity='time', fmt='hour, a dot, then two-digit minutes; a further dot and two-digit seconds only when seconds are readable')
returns 3.39
